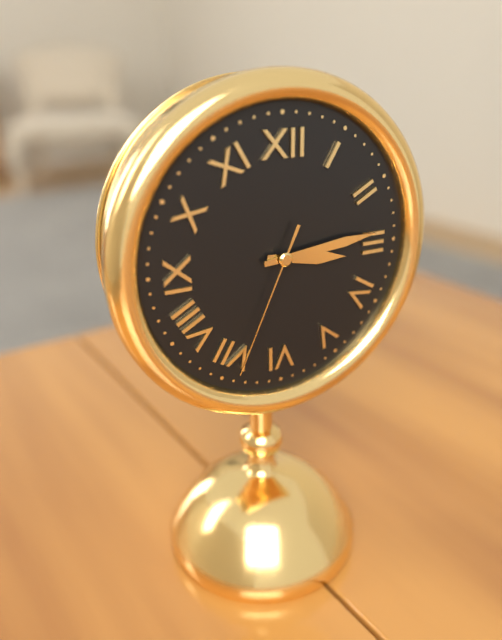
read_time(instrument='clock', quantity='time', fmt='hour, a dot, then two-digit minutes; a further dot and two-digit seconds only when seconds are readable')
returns 3.14.34
